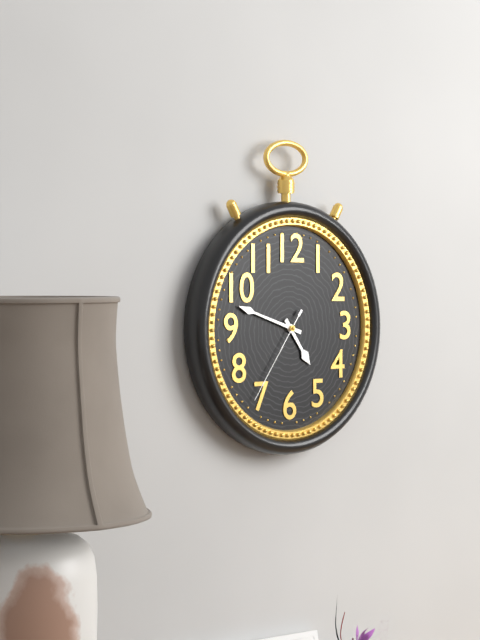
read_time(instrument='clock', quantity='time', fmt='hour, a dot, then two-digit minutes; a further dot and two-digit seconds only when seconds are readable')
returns 4.48.36
